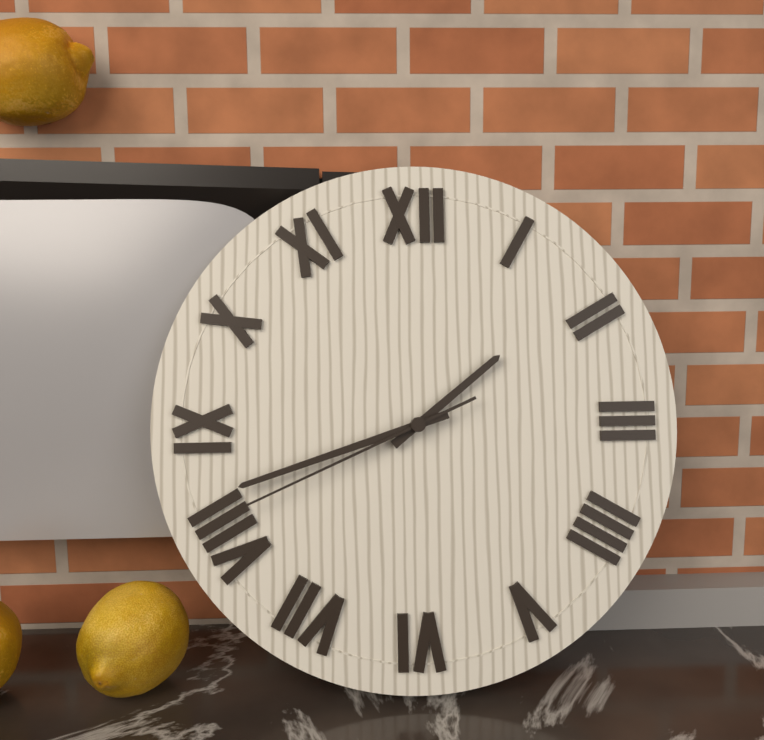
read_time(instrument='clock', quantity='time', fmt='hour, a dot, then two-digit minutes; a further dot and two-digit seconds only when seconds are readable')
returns 1.42.41
